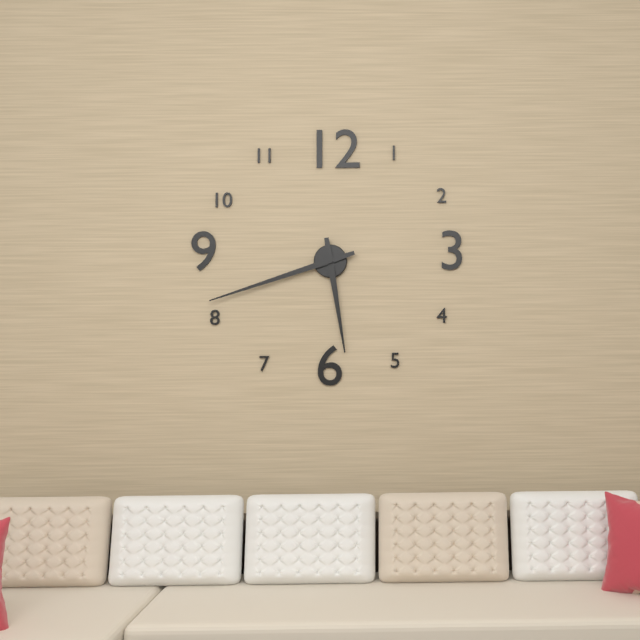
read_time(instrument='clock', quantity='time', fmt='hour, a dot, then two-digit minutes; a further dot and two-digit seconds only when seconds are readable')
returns 5.42
